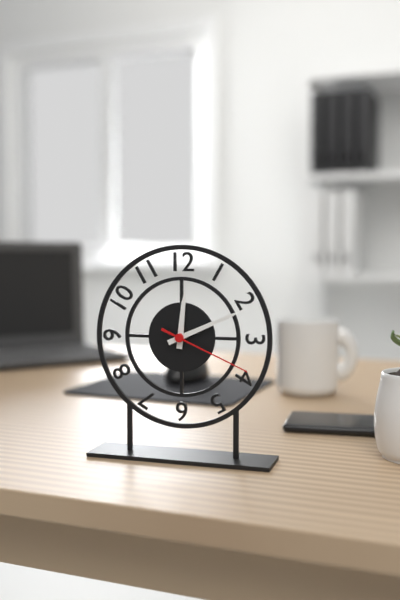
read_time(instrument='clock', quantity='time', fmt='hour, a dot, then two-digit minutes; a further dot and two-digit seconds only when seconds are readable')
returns 12.11.19
